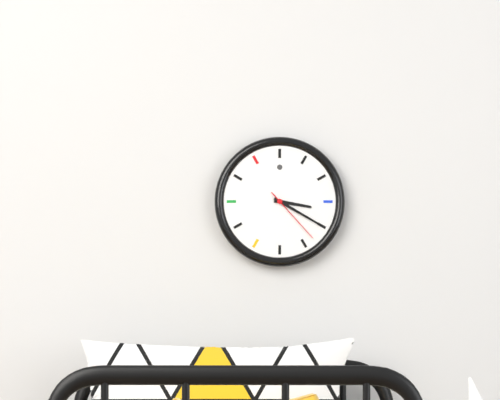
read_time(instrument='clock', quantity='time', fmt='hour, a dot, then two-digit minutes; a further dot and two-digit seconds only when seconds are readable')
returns 3.20.23
